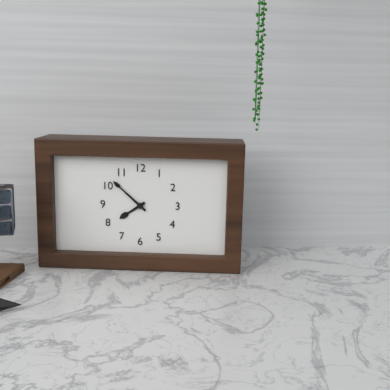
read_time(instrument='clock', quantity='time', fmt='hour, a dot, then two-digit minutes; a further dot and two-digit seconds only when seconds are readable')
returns 7.52
